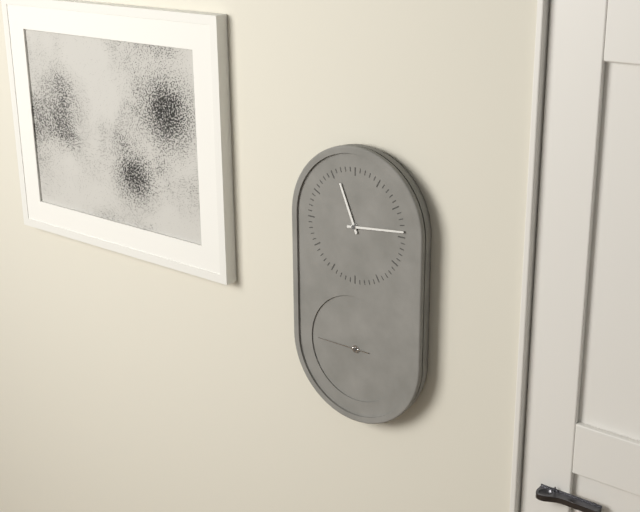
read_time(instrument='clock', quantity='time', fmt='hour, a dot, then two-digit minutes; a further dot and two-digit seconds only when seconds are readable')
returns 11.14
